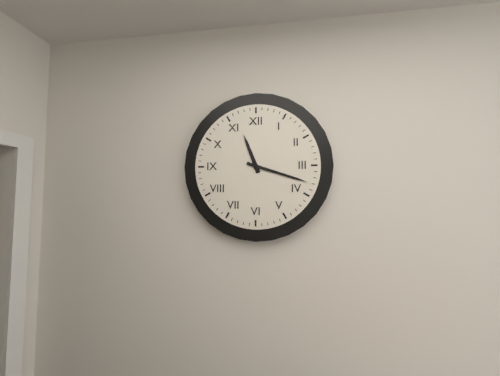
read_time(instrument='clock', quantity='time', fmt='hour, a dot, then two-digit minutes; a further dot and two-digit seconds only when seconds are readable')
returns 11.18
